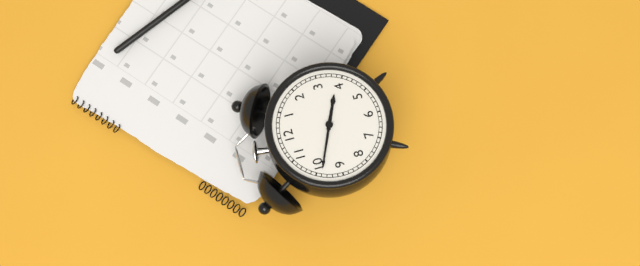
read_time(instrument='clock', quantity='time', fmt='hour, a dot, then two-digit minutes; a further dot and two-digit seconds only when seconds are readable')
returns 3.49
